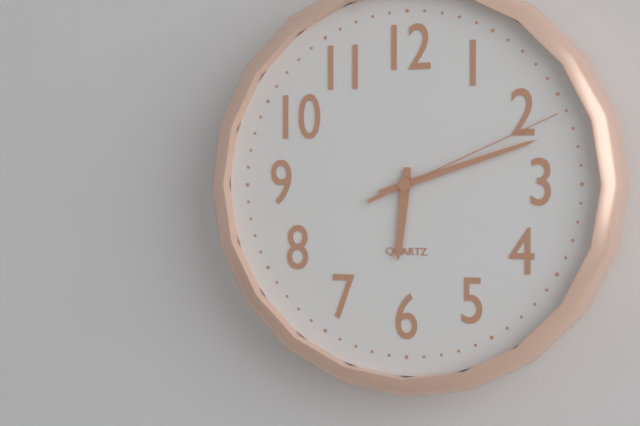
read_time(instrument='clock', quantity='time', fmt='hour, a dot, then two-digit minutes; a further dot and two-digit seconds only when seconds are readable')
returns 6.12.11
